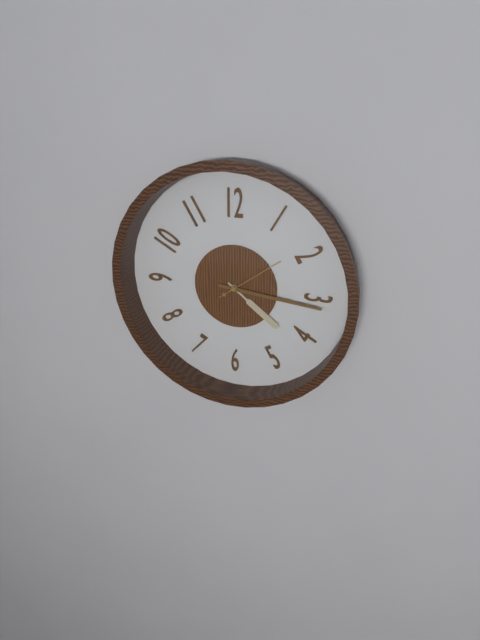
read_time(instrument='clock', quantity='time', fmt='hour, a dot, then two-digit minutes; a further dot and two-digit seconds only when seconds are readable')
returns 4.16.09
